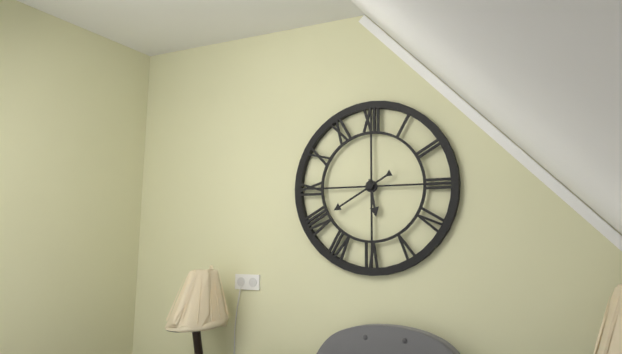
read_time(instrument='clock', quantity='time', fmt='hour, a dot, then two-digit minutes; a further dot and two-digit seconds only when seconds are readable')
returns 5.40
